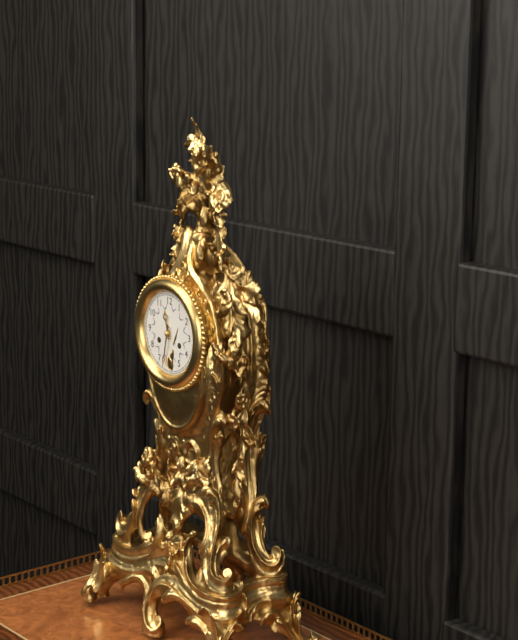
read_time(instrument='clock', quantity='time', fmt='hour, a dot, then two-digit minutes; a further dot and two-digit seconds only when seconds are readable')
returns 11.32
